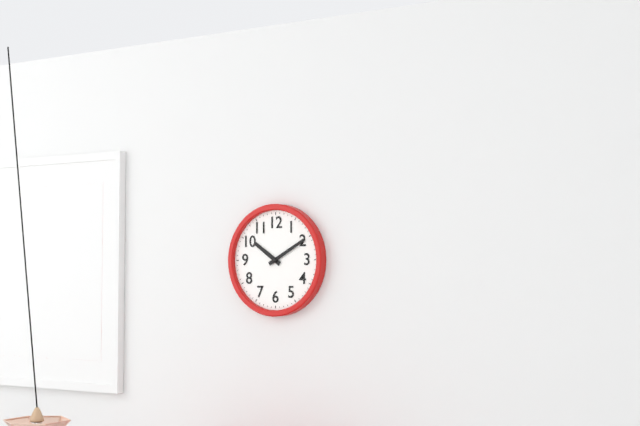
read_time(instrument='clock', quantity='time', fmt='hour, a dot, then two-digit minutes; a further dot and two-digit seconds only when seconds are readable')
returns 10.10
